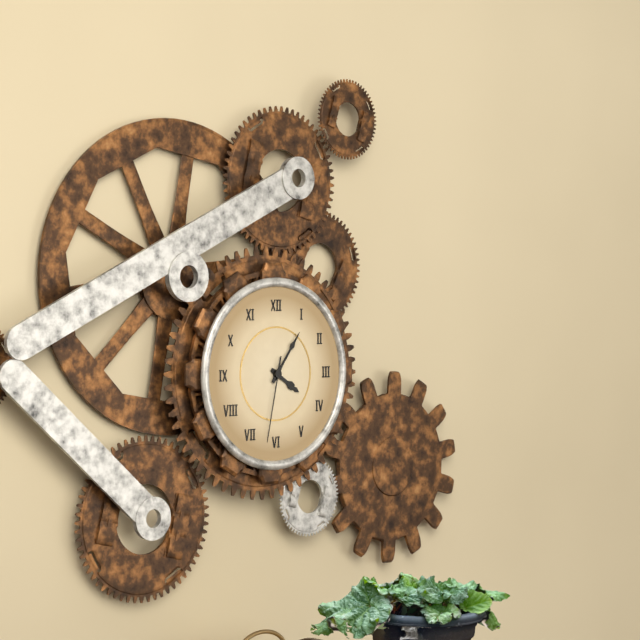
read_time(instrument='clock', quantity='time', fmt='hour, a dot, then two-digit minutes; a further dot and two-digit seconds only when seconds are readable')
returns 4.06.32
